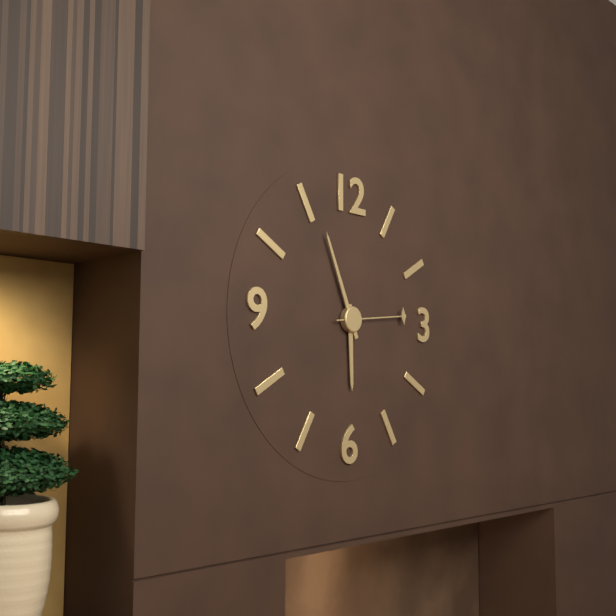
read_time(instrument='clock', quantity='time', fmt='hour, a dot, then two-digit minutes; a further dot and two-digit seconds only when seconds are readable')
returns 5.56.14
